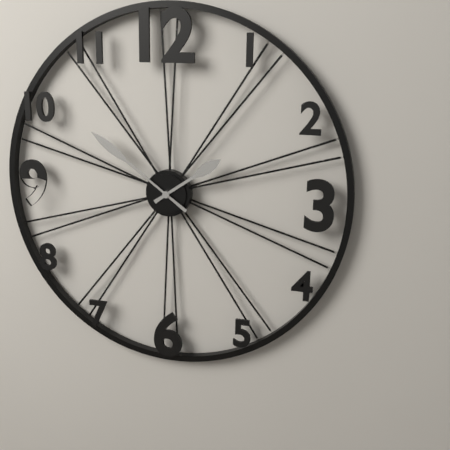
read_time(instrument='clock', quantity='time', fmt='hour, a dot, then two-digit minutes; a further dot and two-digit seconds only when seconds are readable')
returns 1.51
